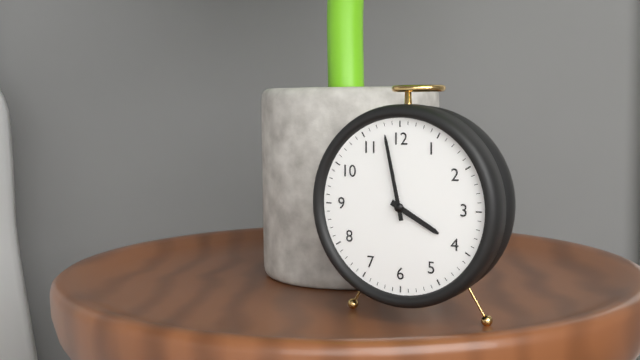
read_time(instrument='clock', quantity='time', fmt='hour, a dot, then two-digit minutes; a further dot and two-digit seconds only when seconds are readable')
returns 3.58
